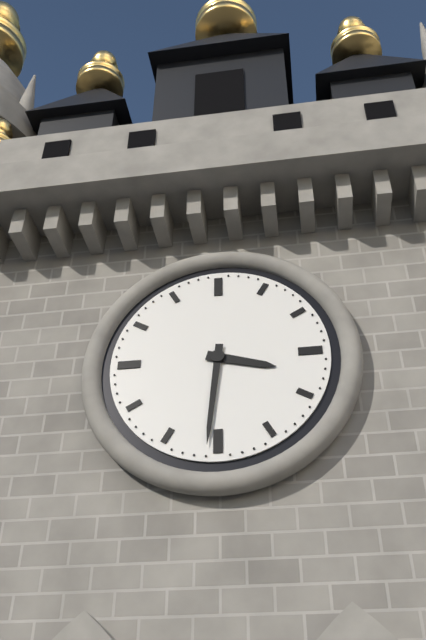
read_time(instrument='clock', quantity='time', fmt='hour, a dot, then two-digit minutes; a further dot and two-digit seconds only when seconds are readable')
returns 3.31
